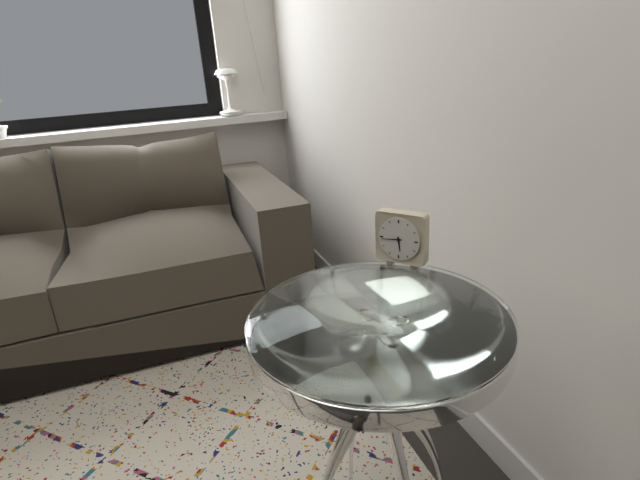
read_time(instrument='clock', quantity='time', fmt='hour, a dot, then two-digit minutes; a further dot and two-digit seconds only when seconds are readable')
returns 5.44
